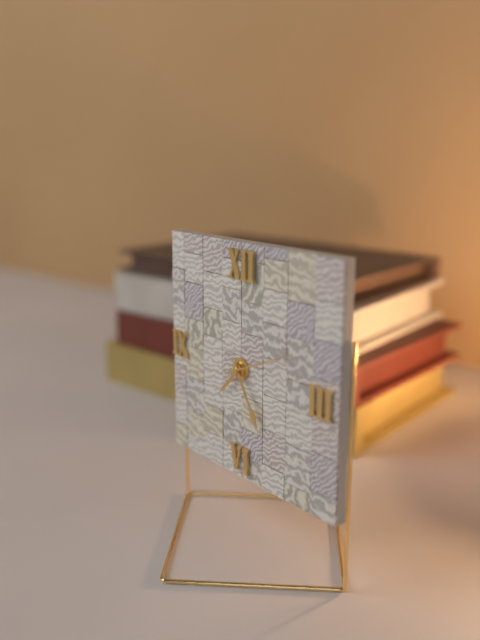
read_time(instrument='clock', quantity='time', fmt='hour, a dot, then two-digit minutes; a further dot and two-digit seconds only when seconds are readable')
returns 7.25.11
